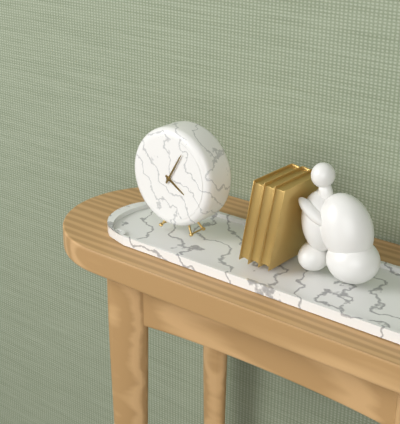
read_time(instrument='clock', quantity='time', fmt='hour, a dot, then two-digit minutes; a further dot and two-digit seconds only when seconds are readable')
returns 4.05
